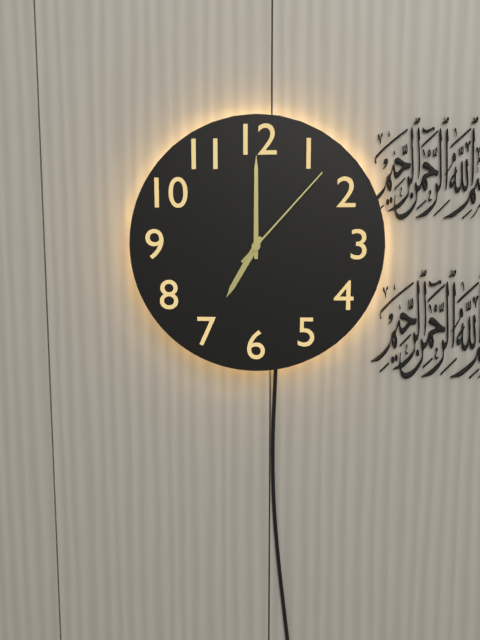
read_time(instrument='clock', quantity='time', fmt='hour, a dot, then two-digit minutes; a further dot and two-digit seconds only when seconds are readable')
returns 7.00.07
